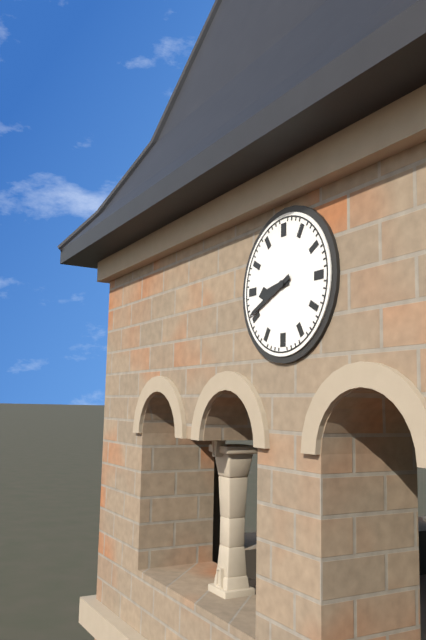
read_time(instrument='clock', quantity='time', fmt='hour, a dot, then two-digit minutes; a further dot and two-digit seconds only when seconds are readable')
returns 8.41
